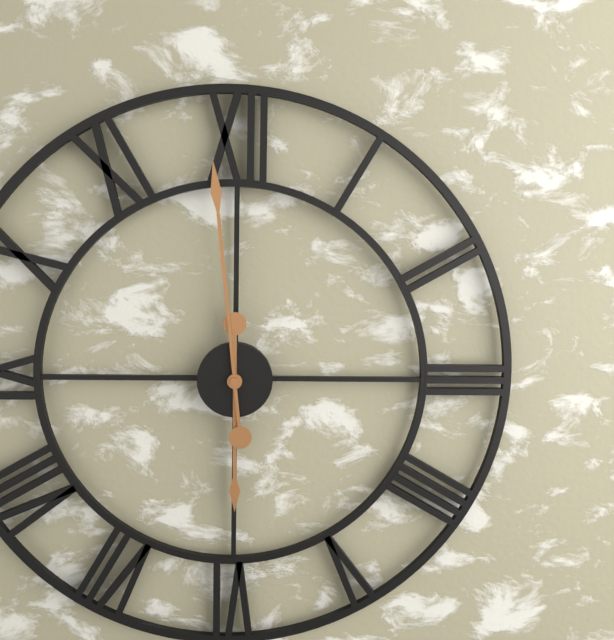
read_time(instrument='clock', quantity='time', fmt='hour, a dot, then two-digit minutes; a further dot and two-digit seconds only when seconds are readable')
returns 5.59
